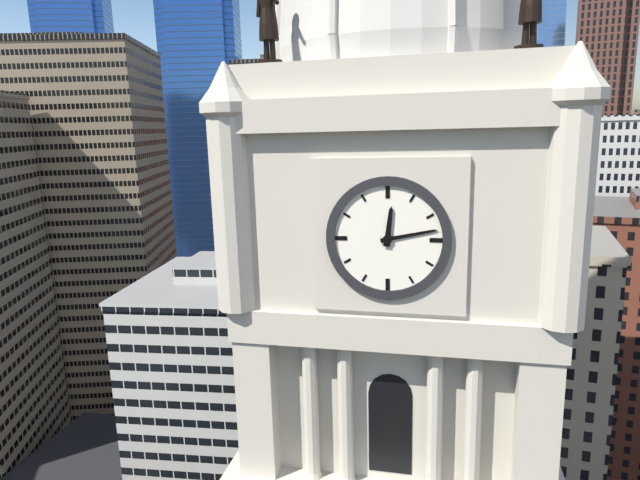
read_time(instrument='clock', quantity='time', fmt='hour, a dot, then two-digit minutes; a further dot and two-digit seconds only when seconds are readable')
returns 12.13
